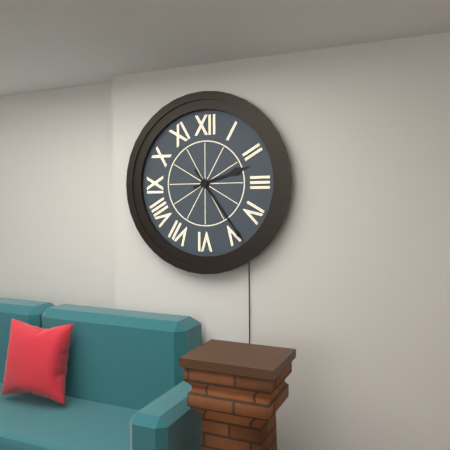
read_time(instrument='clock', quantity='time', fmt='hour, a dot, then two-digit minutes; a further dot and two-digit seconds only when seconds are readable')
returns 2.24
